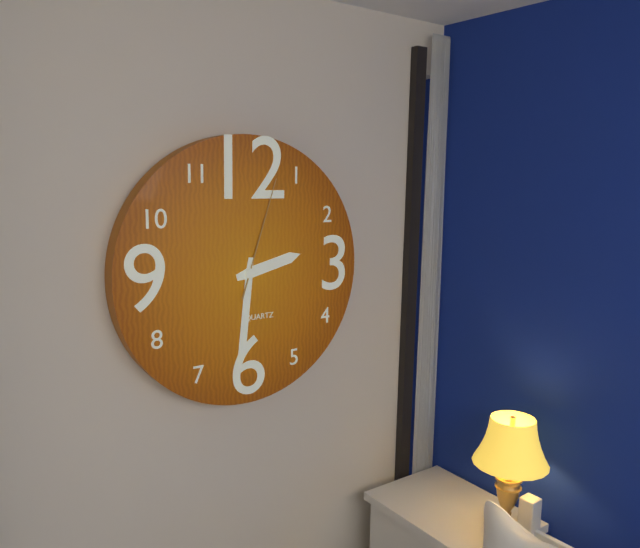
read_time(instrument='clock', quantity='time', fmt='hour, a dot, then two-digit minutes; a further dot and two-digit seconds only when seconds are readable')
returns 2.31.03
